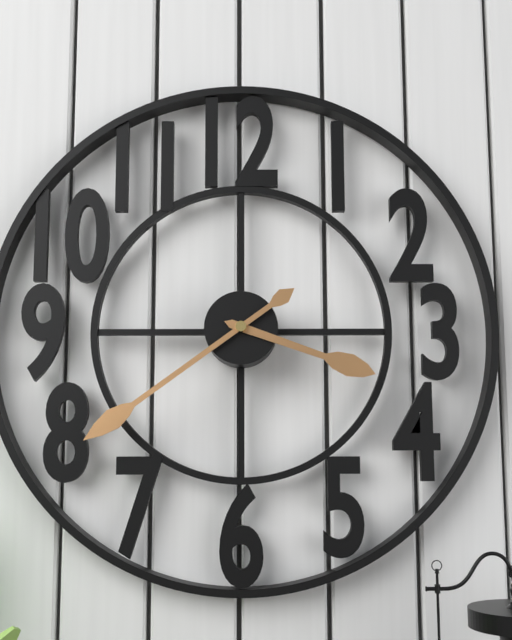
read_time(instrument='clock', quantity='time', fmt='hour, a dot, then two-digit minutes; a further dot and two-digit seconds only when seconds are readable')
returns 3.39
